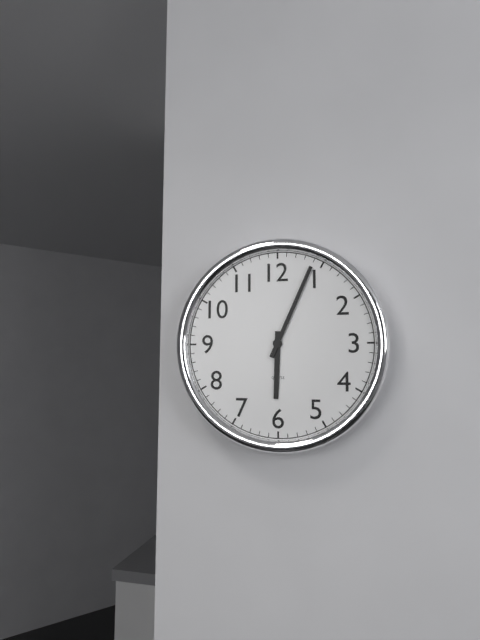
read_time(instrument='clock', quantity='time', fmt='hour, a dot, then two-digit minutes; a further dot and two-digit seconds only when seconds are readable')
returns 6.04
